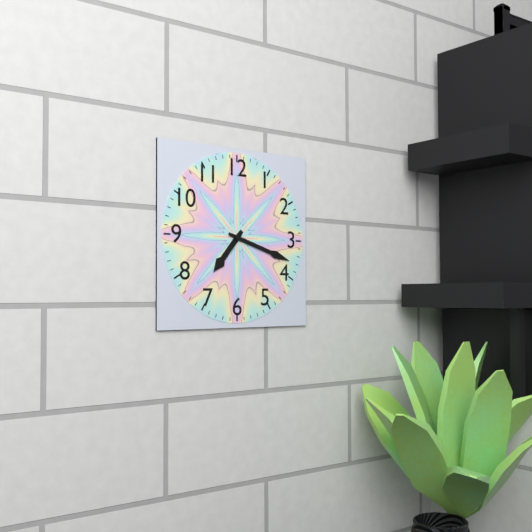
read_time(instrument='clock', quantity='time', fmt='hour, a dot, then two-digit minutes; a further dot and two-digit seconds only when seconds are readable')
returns 7.18
